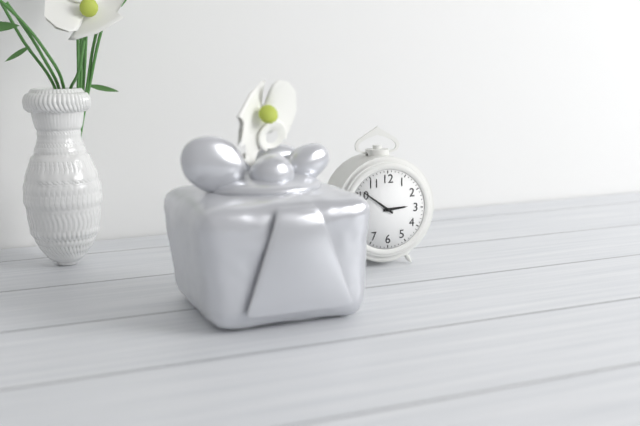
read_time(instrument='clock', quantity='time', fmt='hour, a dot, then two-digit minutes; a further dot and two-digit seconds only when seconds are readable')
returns 2.51
